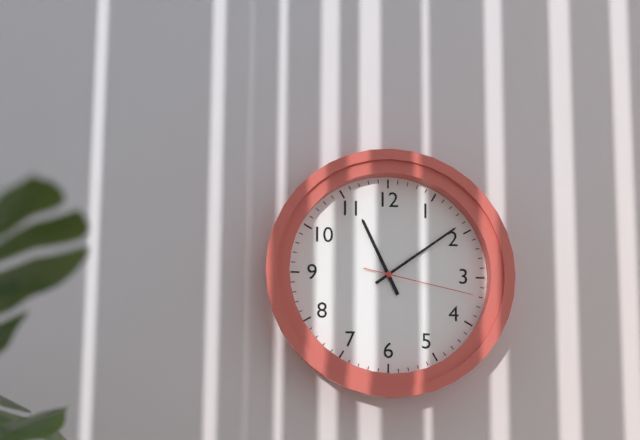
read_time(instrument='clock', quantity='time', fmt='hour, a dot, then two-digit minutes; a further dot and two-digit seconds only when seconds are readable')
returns 11.09.17
